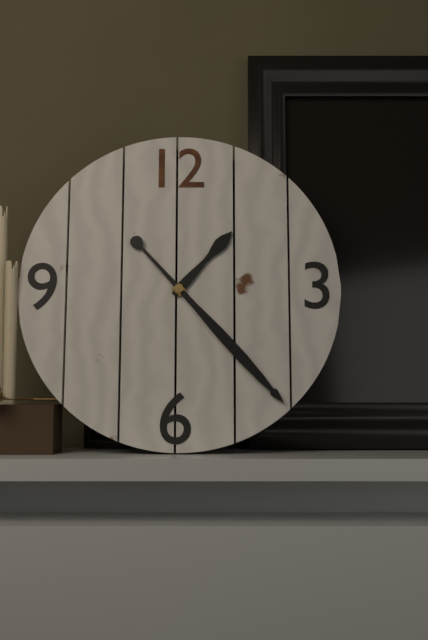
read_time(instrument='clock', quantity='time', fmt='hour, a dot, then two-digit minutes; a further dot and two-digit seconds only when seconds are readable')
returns 1.23
